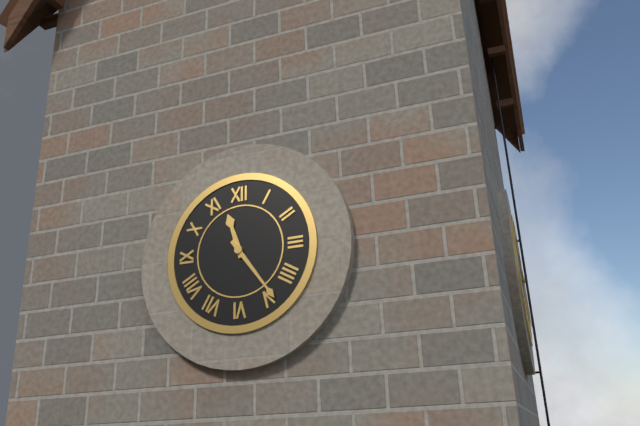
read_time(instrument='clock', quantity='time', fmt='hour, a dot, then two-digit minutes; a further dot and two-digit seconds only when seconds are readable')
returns 11.24
